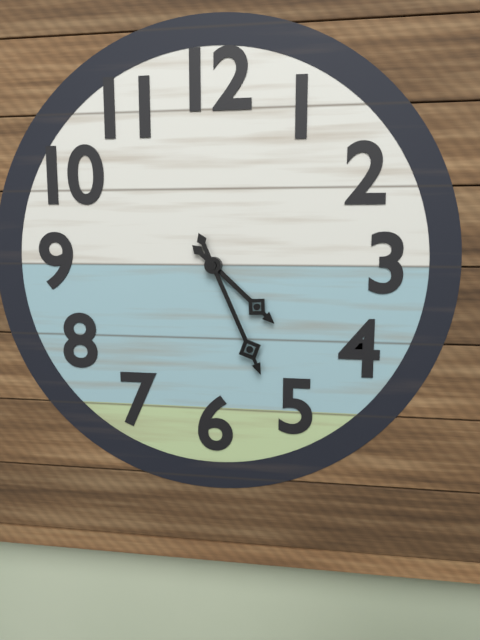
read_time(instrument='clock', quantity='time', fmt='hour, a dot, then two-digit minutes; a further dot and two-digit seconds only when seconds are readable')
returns 4.26
